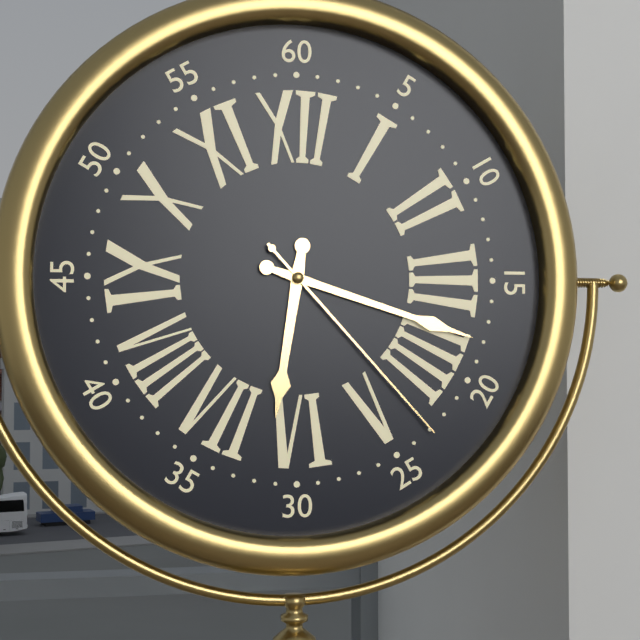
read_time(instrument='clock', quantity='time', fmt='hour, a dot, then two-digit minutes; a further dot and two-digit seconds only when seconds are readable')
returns 6.18.23
